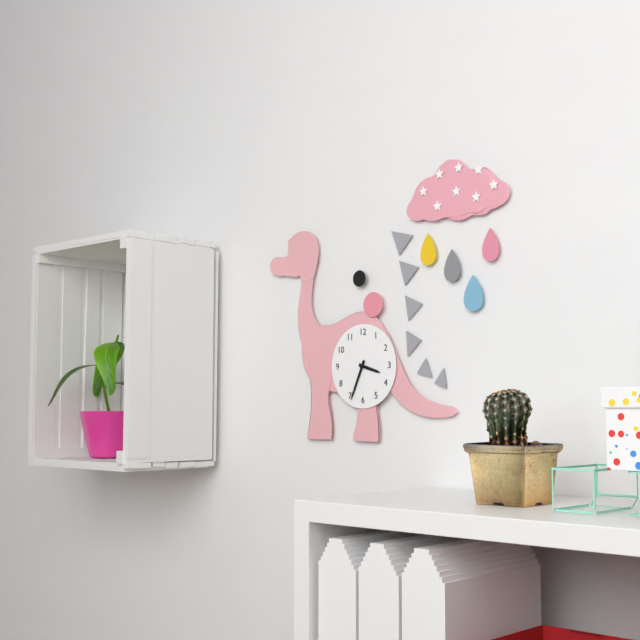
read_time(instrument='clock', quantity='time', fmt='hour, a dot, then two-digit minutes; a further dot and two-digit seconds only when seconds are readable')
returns 3.34
